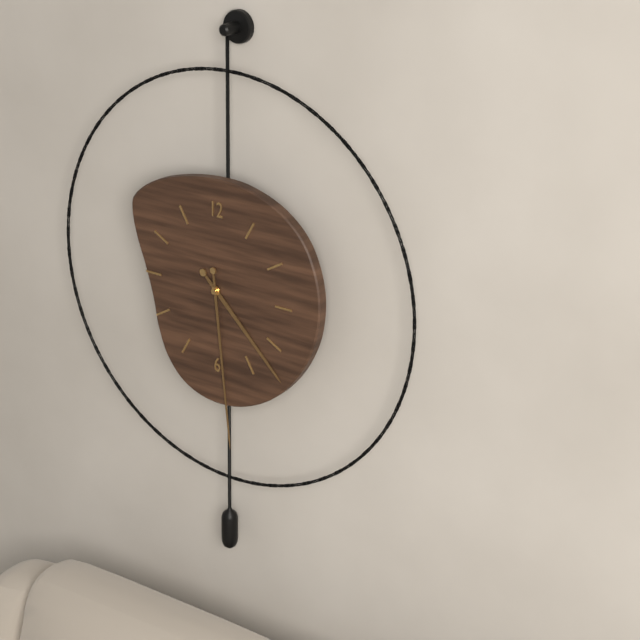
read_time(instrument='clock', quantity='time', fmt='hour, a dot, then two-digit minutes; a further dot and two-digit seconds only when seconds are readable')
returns 4.29
